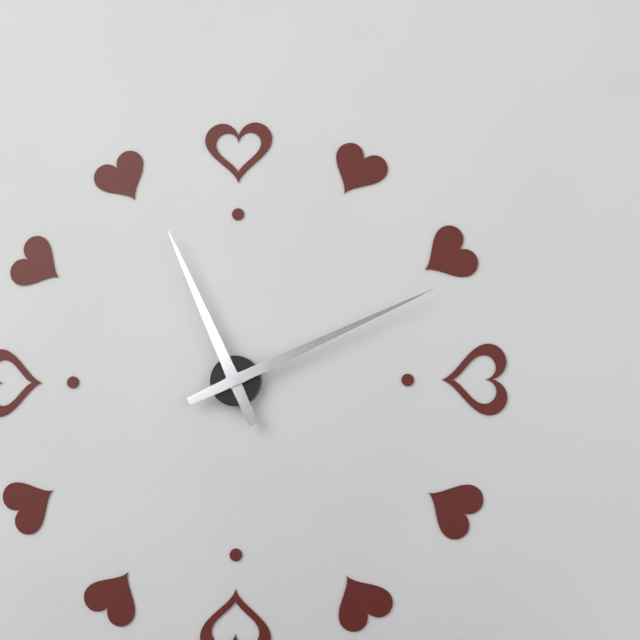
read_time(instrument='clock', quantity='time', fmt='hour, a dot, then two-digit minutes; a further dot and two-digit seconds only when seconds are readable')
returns 11.11
